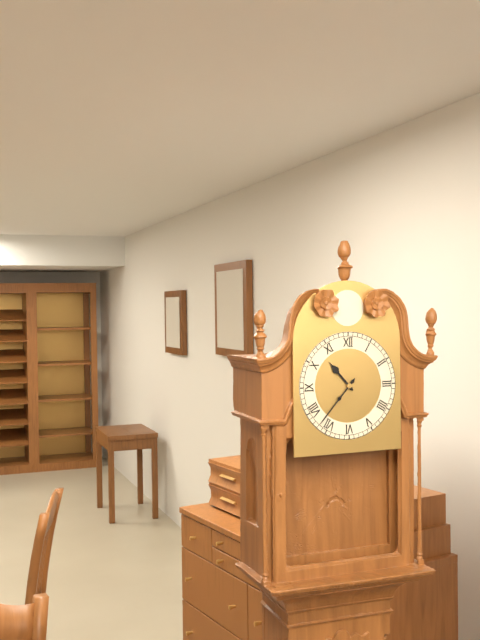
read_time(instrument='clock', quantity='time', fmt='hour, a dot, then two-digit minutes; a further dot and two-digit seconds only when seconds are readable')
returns 10.37
